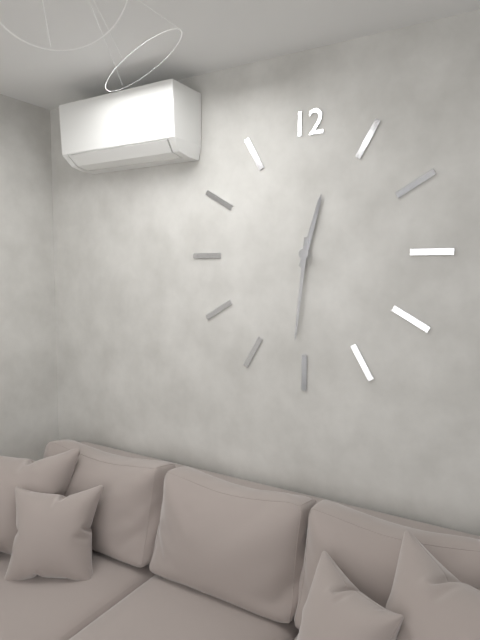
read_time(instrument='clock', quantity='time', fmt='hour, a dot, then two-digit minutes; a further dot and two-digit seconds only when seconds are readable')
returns 12.31
